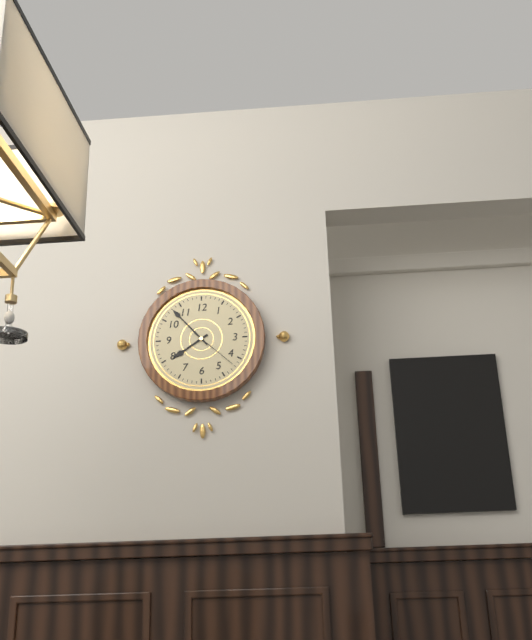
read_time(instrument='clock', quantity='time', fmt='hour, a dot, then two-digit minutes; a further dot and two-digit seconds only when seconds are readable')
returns 7.53.22
